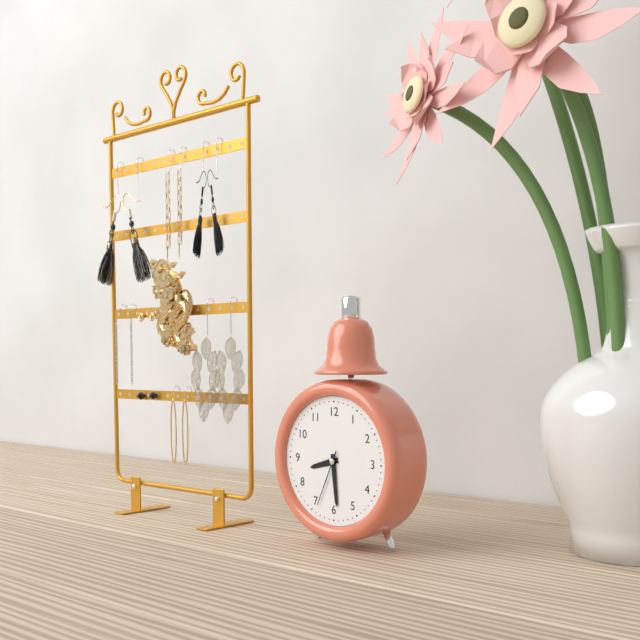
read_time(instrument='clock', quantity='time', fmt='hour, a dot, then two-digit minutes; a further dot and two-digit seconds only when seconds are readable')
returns 8.29.34
